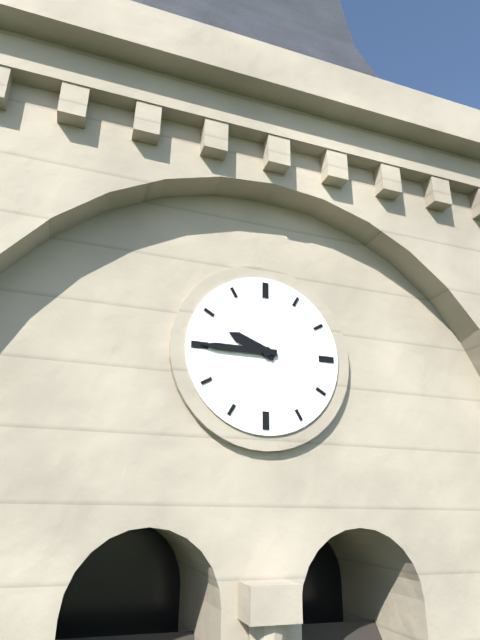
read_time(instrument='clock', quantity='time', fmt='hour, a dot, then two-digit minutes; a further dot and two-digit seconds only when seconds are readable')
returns 9.45
